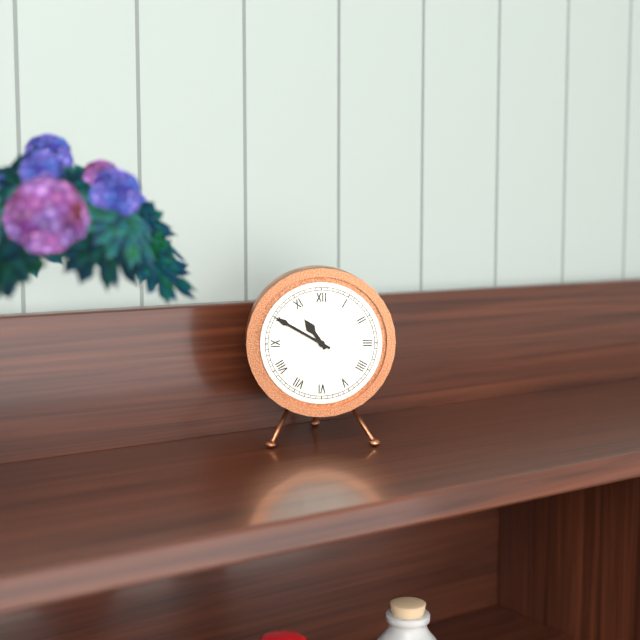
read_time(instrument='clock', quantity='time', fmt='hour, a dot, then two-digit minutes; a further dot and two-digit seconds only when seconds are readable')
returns 10.50
